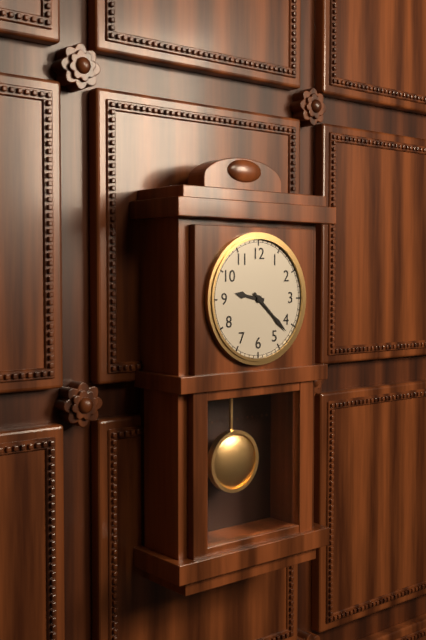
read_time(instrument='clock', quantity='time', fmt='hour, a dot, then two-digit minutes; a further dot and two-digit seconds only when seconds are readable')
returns 9.22
